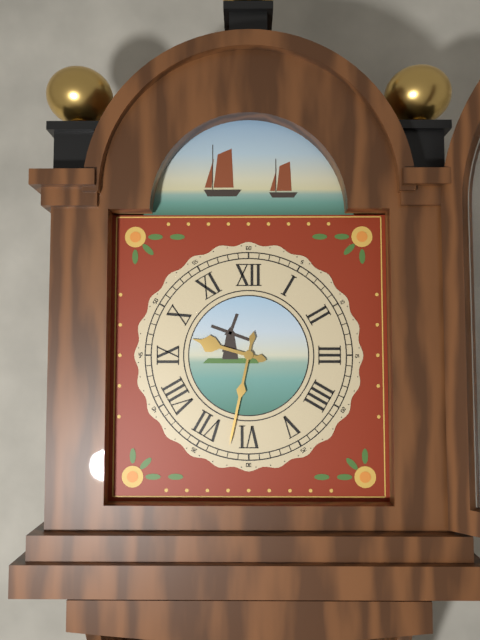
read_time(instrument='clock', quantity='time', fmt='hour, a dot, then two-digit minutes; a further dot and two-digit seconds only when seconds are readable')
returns 9.32
